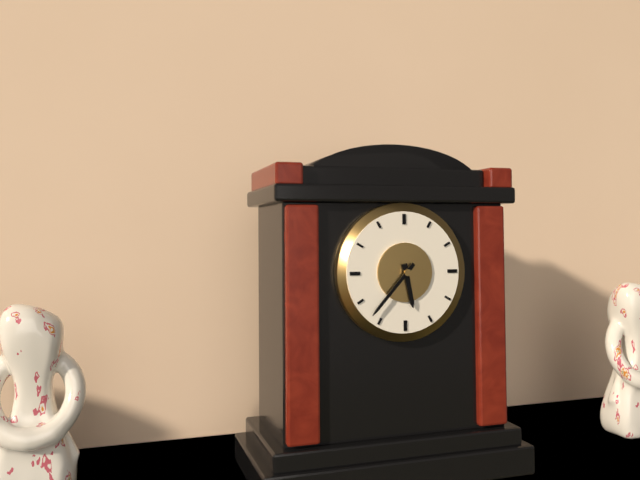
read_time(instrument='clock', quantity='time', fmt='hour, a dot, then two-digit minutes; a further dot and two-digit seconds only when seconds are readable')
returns 5.37
